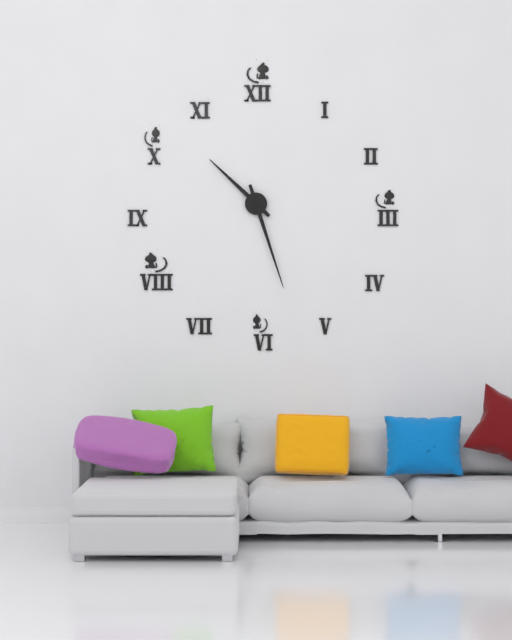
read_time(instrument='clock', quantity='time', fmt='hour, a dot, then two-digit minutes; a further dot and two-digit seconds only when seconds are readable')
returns 10.27
